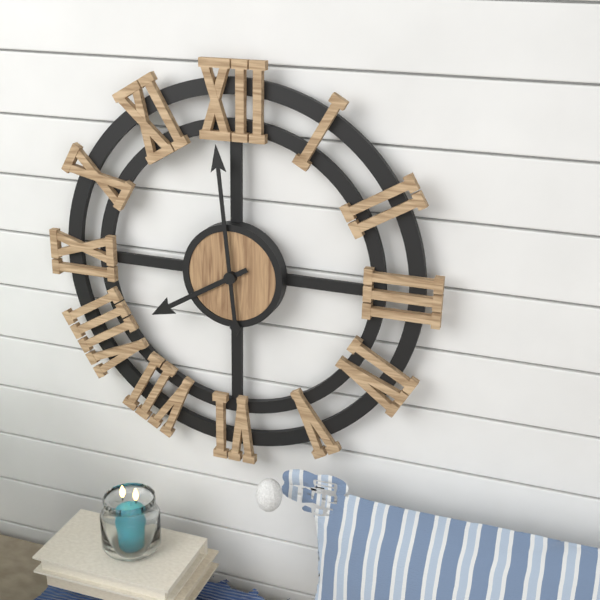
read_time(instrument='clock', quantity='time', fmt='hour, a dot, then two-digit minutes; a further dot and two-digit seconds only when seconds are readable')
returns 7.59
